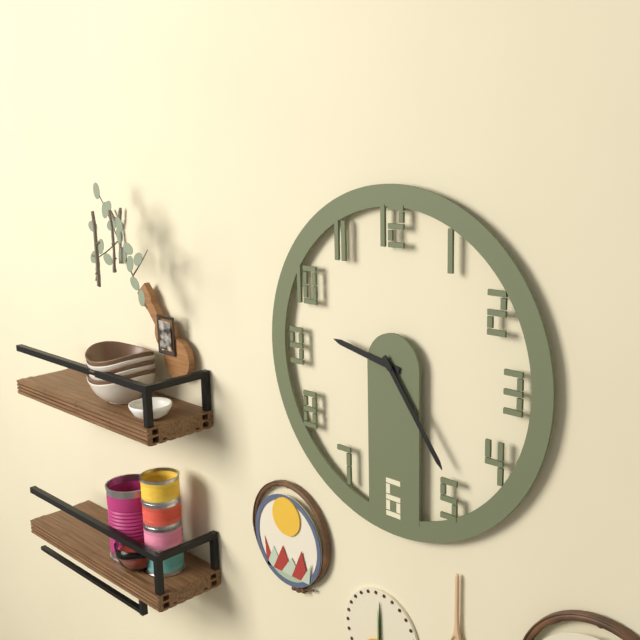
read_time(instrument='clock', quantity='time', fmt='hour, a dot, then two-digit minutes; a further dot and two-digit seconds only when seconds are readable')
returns 9.24
